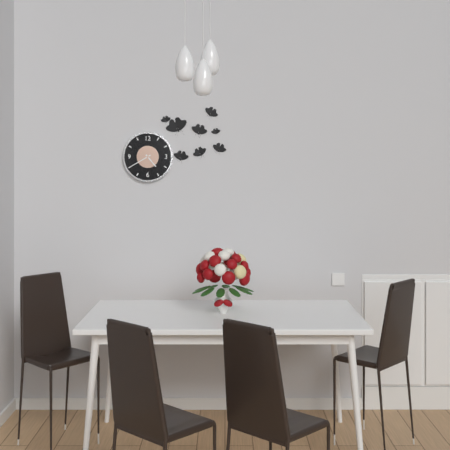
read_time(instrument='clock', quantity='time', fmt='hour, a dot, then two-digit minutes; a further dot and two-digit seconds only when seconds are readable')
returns 4.40
